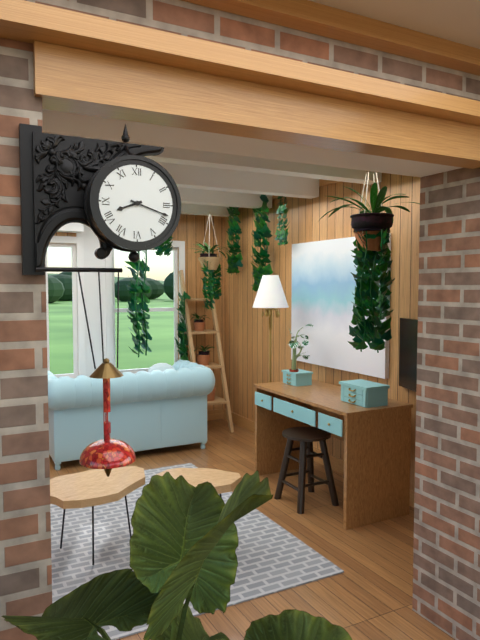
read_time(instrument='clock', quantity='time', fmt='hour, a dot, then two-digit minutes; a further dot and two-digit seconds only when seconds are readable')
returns 8.18
